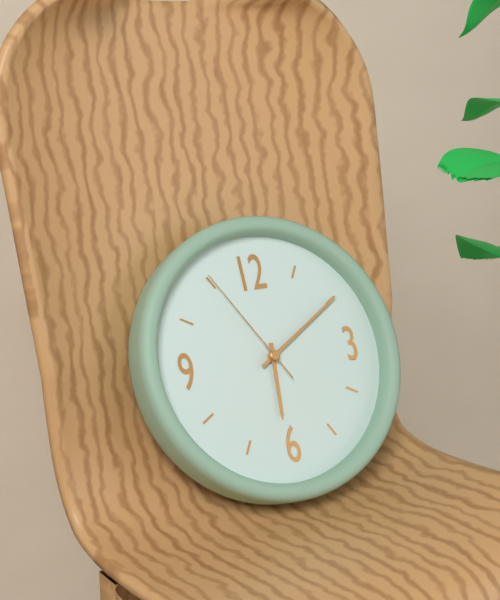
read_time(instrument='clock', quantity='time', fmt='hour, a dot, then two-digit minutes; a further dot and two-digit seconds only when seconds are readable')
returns 6.10.55
